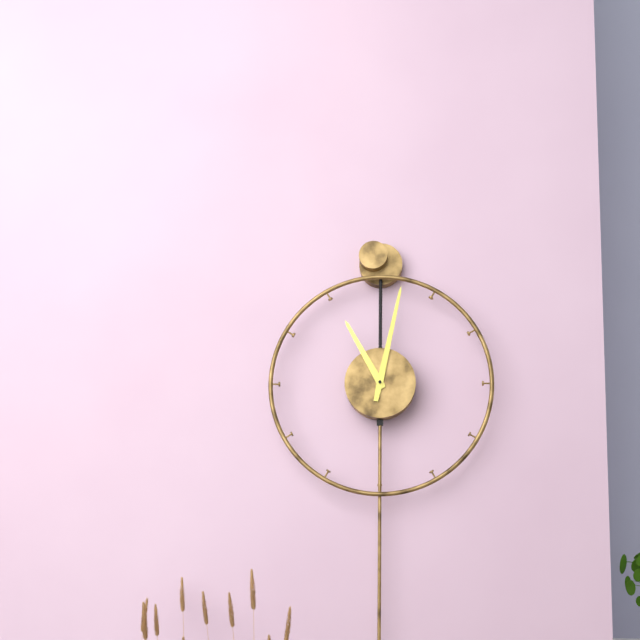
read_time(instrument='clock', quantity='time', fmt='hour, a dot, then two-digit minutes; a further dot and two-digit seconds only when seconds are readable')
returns 11.02
